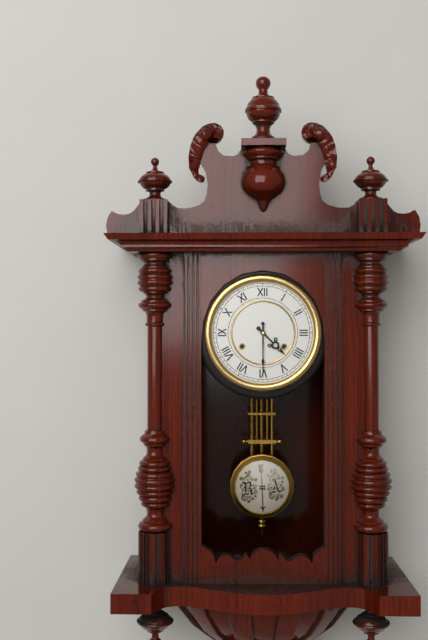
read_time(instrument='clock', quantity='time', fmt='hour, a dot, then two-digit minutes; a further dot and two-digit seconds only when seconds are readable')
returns 4.30
